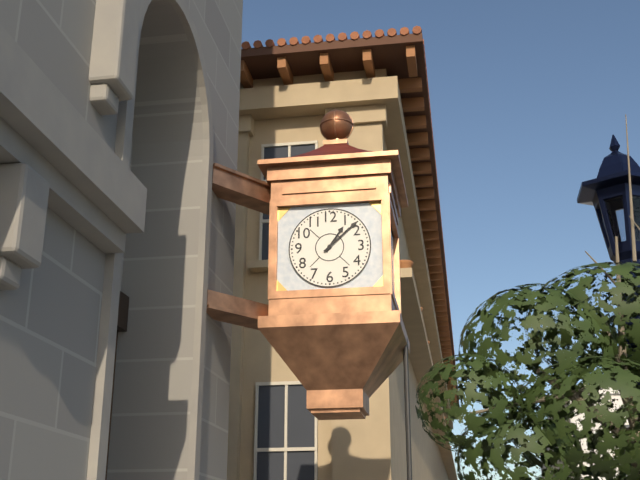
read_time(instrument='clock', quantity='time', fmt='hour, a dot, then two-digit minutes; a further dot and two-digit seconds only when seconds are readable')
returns 1.08
